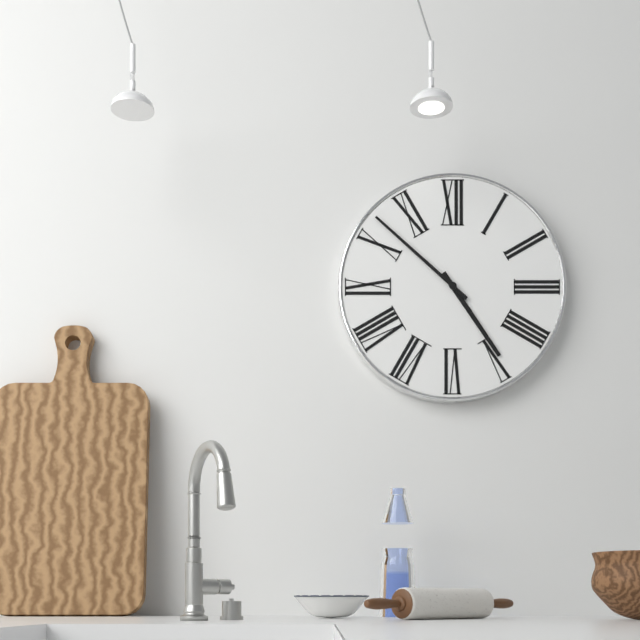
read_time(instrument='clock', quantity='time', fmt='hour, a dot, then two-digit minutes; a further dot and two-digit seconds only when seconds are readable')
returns 4.52
